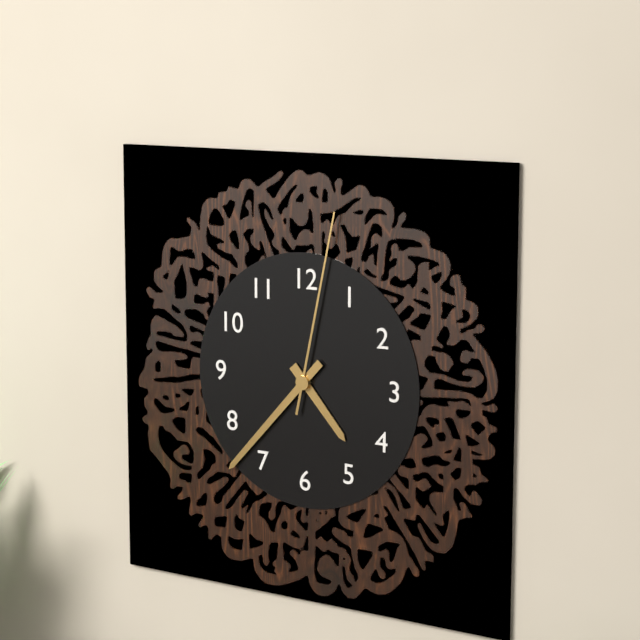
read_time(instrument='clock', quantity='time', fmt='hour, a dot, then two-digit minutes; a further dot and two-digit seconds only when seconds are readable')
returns 4.37.02
